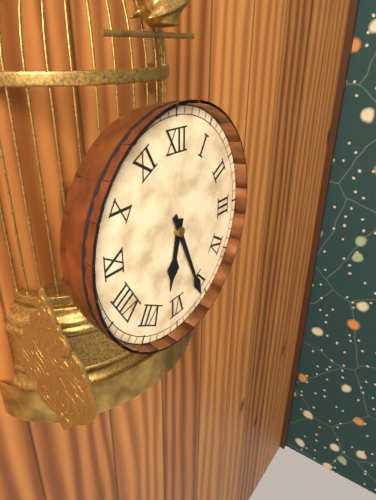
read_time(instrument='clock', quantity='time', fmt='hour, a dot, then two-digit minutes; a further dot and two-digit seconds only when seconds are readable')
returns 6.26
